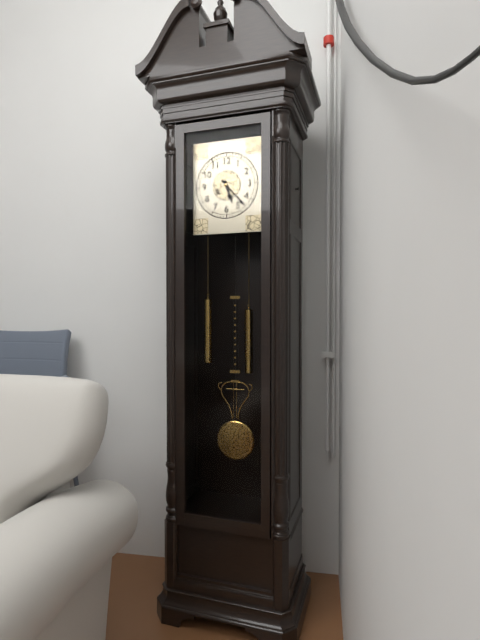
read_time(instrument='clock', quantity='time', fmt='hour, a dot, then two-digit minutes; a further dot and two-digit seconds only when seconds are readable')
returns 5.23
